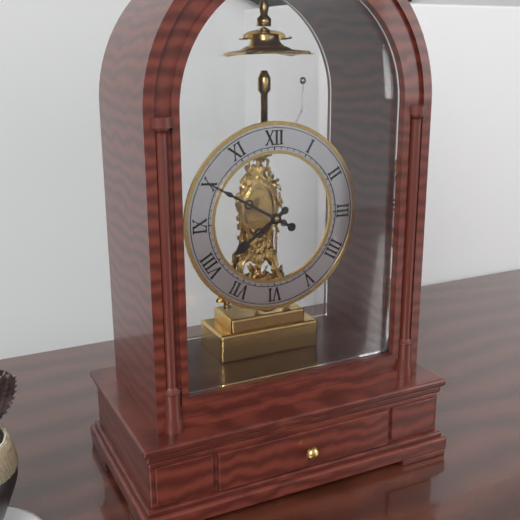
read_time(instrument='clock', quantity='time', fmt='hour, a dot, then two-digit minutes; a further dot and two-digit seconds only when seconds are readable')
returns 7.50
